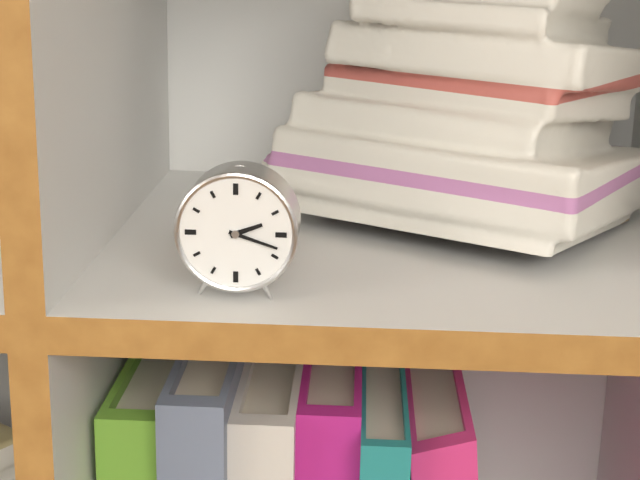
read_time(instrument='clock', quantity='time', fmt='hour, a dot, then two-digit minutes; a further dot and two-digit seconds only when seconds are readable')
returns 2.18
